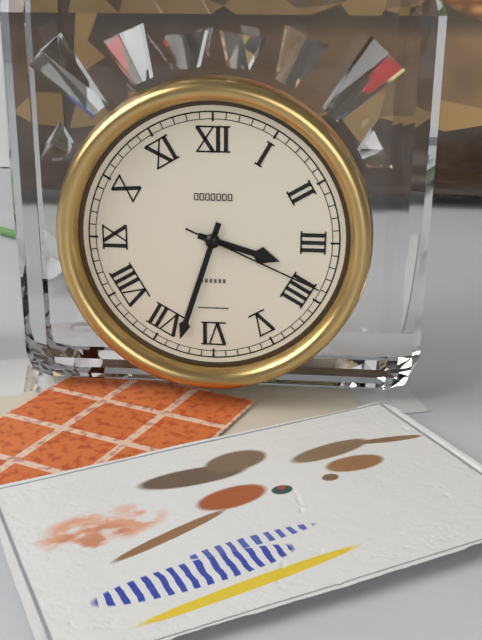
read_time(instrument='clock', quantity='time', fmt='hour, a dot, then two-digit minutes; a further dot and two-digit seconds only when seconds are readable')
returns 3.33.19
